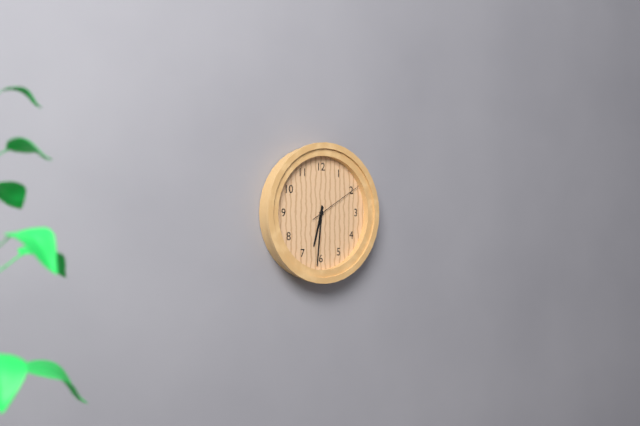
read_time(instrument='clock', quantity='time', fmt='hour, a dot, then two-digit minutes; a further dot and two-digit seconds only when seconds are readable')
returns 6.31.10
